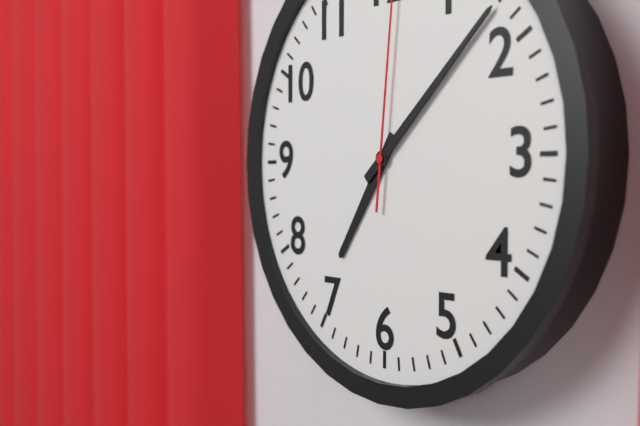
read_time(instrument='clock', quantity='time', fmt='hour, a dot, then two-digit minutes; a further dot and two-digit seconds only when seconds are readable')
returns 7.08
